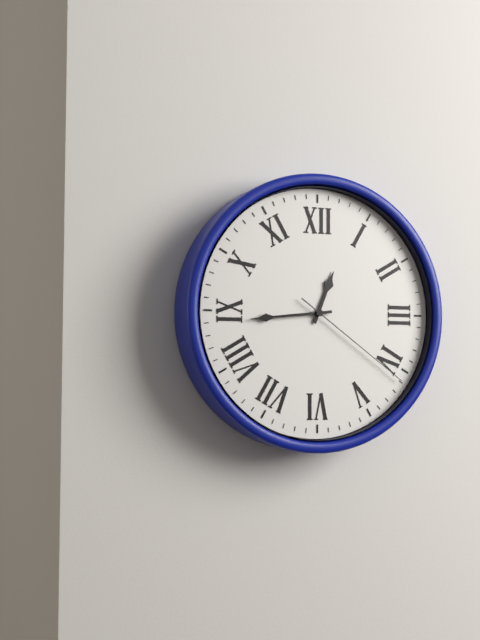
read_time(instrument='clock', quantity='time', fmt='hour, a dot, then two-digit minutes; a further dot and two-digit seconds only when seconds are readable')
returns 12.44.21
